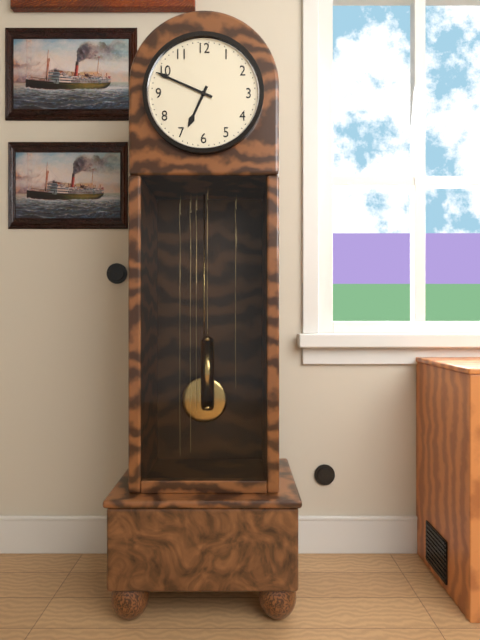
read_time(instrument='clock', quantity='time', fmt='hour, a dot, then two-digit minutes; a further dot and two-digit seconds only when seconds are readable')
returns 6.49
